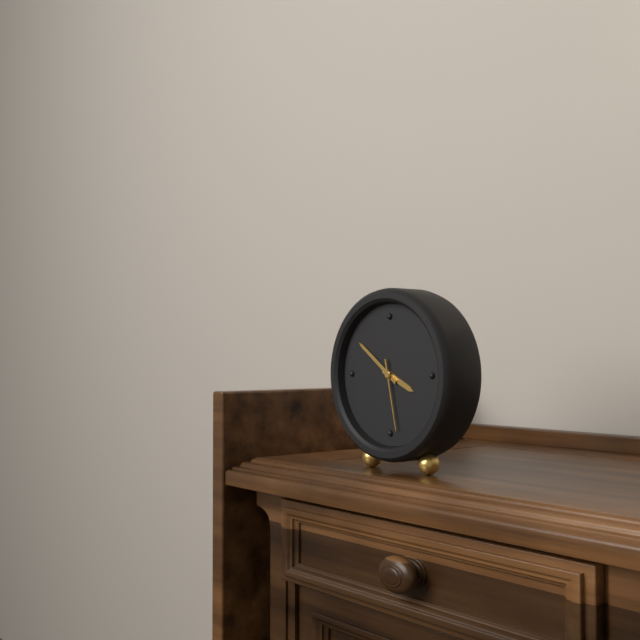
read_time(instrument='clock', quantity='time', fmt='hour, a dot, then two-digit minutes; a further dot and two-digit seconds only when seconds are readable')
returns 3.51.28
